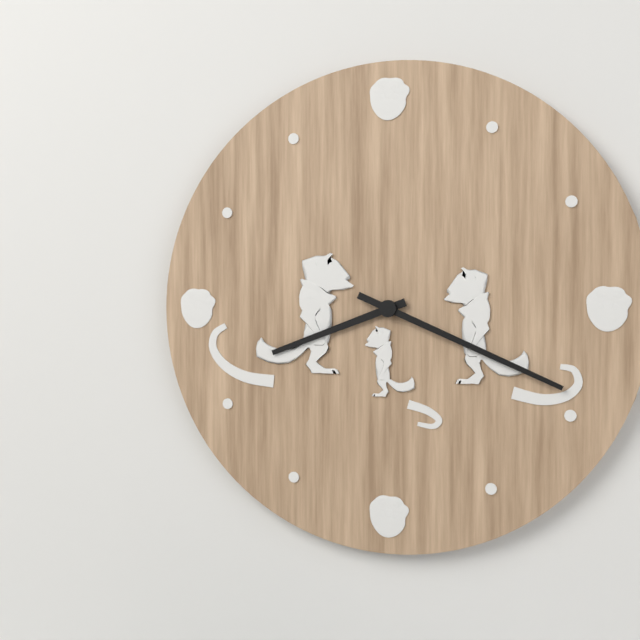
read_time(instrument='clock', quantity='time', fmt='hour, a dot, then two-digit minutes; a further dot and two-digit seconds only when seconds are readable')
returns 8.19
